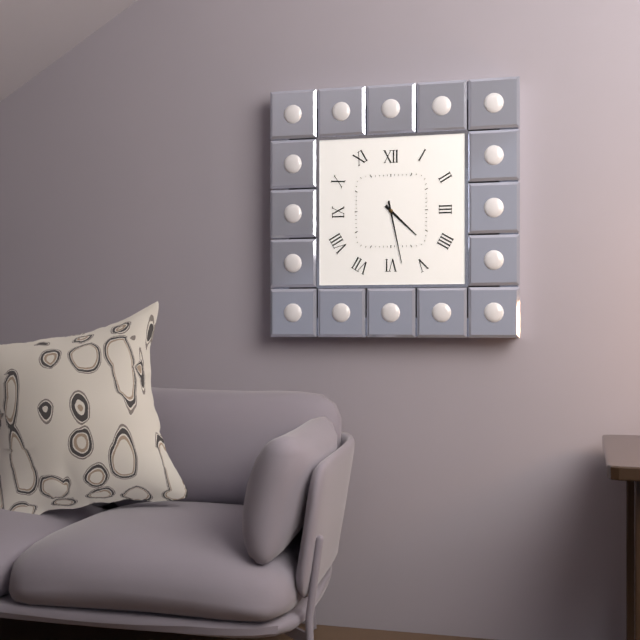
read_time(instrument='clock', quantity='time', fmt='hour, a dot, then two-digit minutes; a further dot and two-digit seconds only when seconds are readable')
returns 4.28
